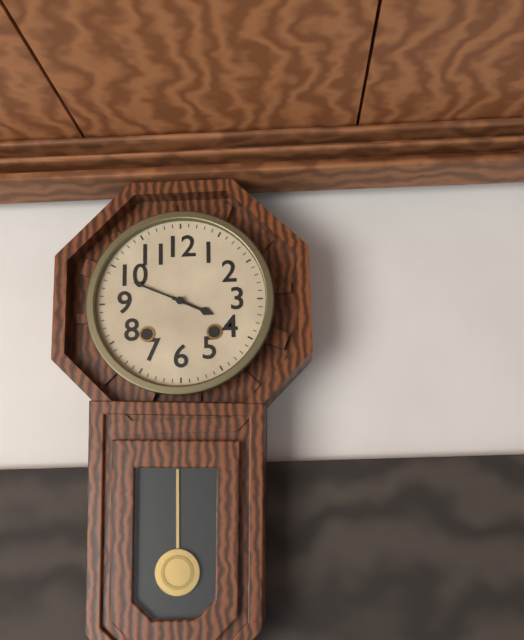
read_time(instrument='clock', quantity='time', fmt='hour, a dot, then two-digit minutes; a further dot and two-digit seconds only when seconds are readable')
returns 3.49
